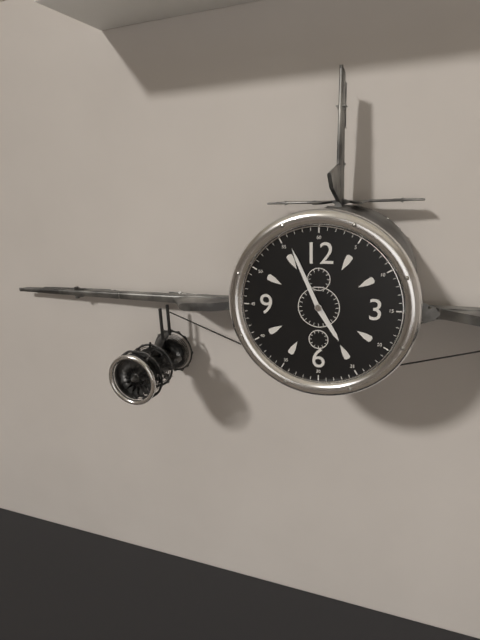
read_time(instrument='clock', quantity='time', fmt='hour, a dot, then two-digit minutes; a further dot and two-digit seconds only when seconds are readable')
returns 4.56
